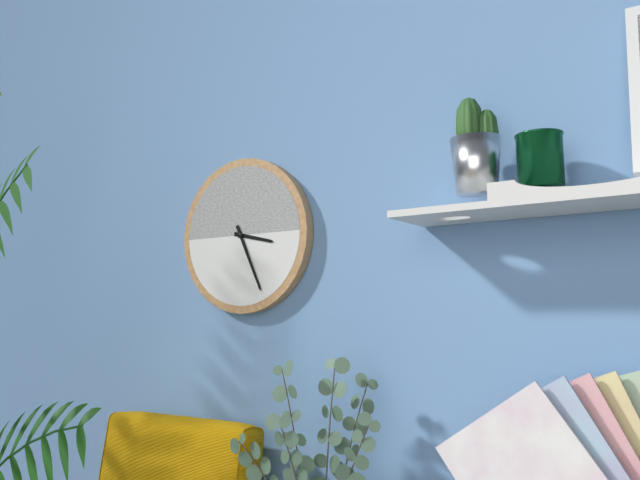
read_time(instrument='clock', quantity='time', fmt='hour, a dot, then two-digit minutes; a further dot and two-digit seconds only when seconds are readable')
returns 3.26
